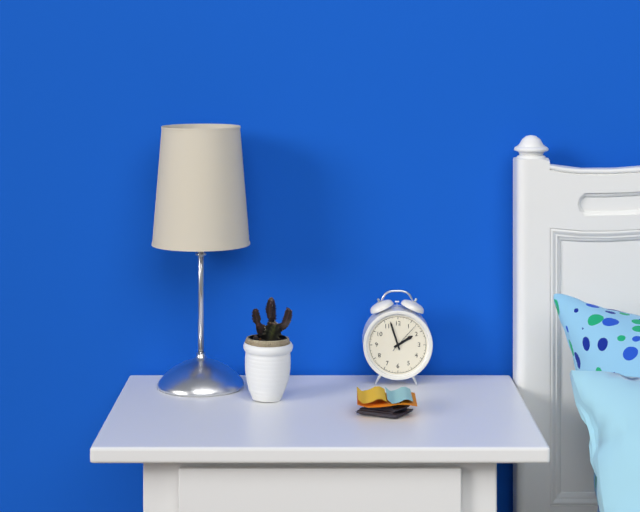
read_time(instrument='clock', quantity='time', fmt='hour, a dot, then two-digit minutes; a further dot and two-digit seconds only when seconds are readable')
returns 1.57
